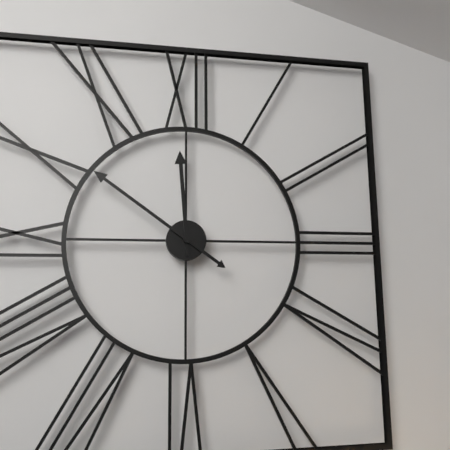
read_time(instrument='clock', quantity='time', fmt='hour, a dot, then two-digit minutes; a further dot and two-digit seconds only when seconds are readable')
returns 11.51
